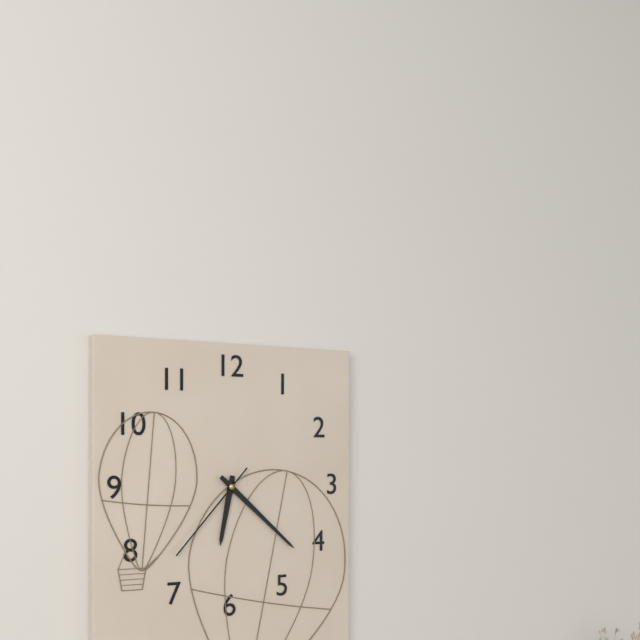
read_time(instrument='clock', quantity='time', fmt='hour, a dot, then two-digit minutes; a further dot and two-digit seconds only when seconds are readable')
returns 6.22.37
